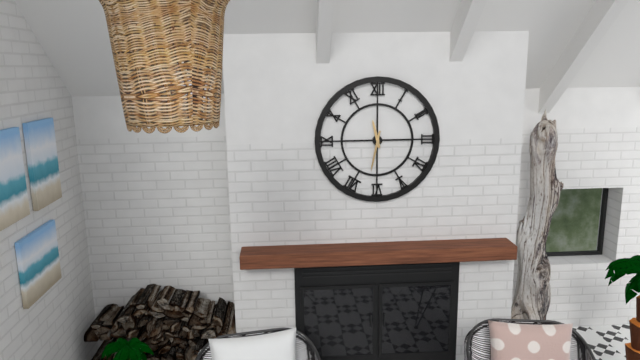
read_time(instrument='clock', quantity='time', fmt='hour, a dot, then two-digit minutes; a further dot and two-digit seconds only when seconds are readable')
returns 11.32
